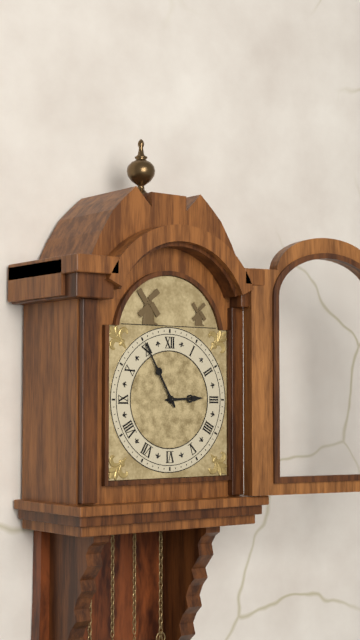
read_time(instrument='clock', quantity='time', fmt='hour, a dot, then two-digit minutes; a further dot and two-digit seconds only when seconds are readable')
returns 2.55
